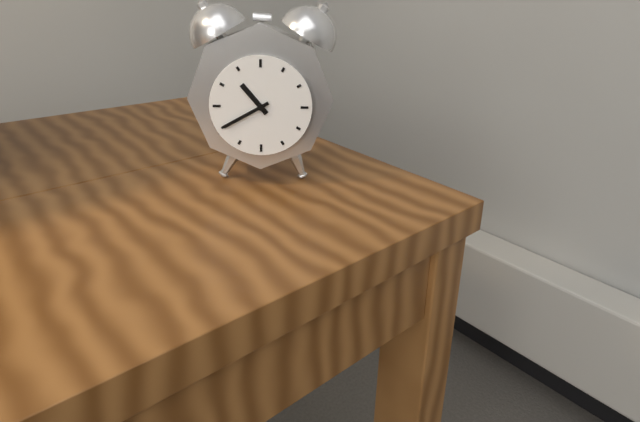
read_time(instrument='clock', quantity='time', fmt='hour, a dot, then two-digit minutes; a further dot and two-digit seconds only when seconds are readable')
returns 10.40
